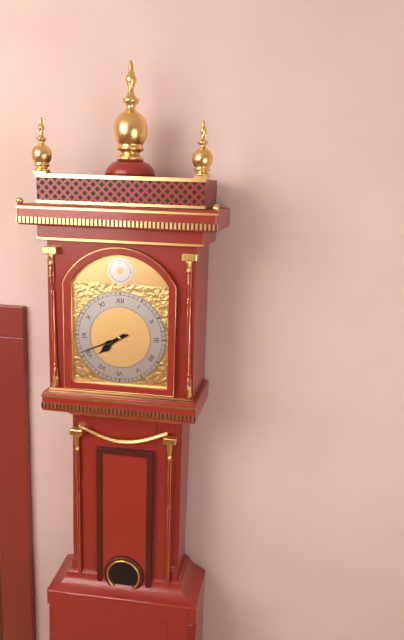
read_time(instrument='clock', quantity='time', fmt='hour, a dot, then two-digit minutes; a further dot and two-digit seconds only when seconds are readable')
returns 7.41
